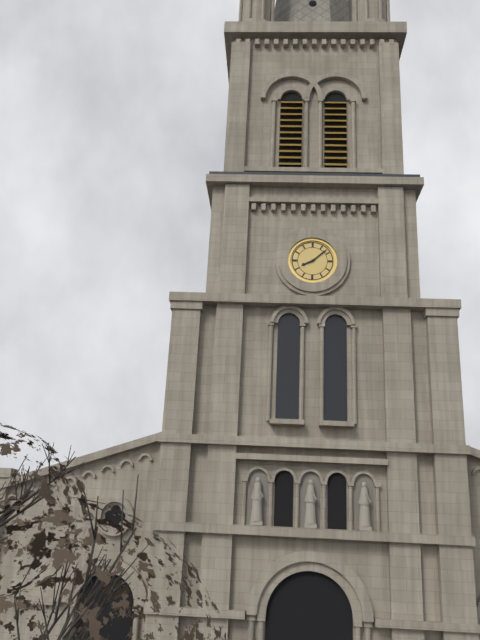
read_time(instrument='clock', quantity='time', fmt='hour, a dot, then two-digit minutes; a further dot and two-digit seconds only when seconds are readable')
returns 8.08
